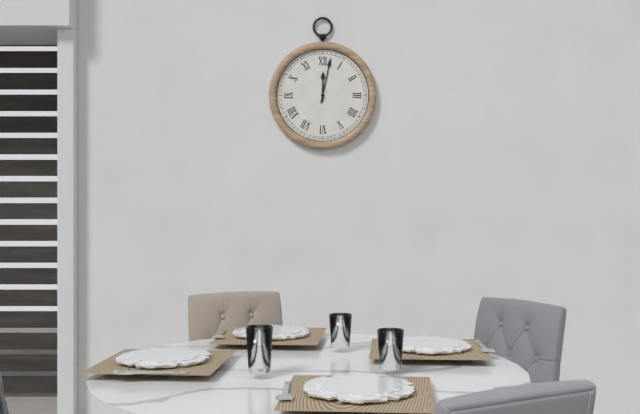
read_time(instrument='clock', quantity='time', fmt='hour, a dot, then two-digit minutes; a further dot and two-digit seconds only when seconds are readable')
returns 12.02
